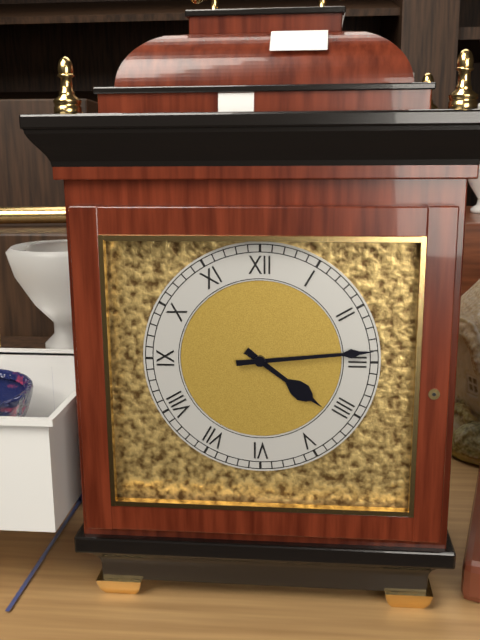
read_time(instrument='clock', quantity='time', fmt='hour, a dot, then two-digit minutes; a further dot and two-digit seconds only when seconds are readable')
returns 4.14
